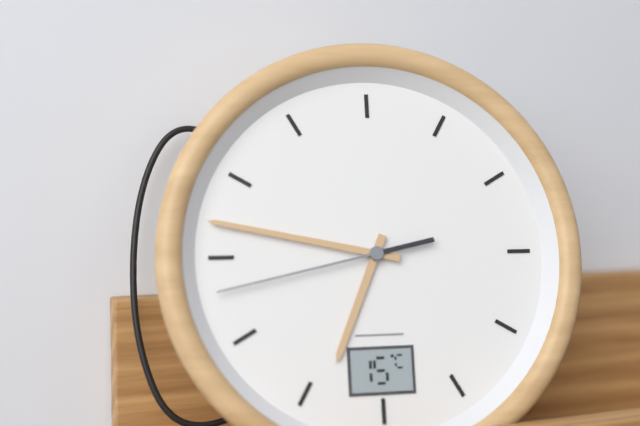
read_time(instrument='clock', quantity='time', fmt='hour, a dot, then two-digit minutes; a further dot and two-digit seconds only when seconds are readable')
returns 6.47.43
